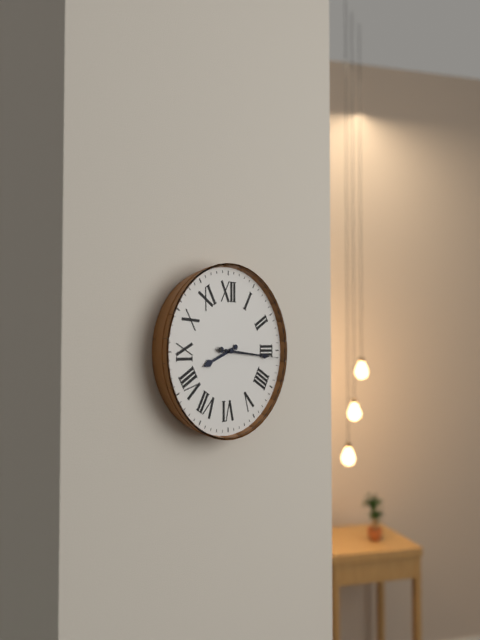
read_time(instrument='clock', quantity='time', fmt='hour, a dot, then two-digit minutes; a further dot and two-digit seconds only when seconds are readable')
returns 8.16.16
